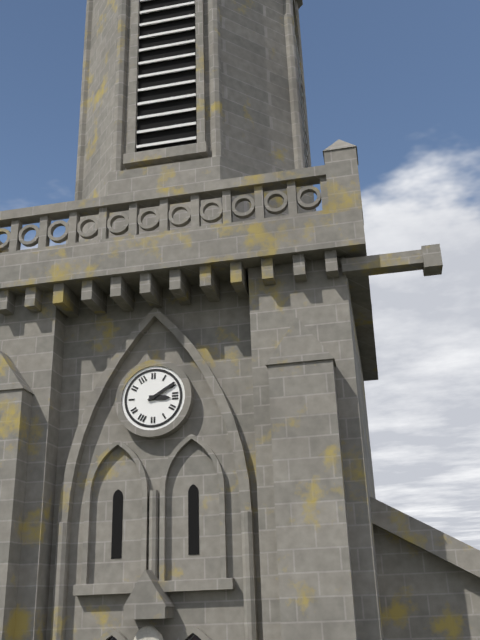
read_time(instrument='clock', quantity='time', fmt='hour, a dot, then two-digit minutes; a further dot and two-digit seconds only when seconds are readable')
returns 3.10
